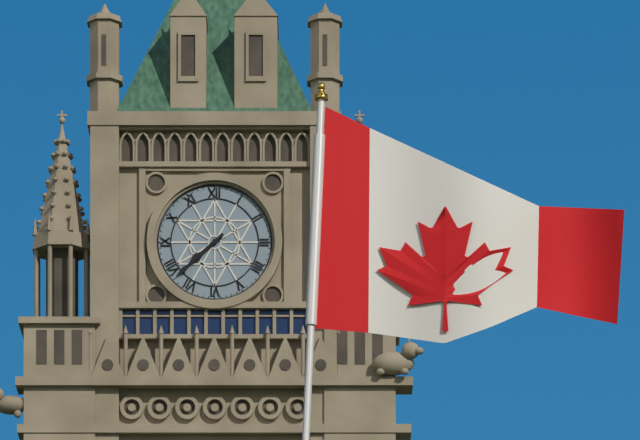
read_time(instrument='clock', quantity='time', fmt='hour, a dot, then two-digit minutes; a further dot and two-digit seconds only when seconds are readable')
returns 7.38
